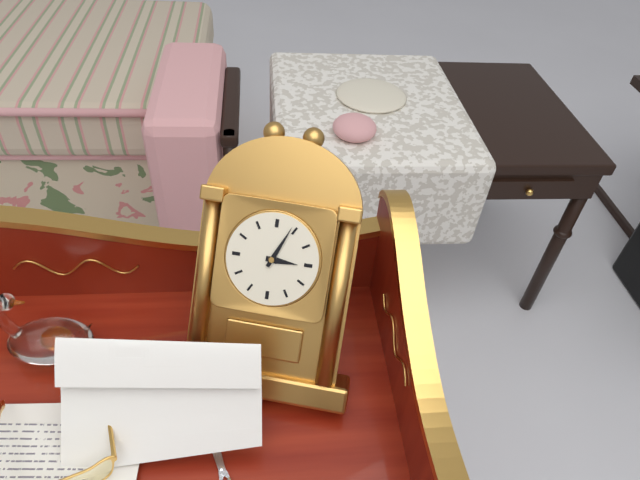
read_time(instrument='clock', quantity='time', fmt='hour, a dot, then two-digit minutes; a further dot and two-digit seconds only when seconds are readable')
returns 3.04
